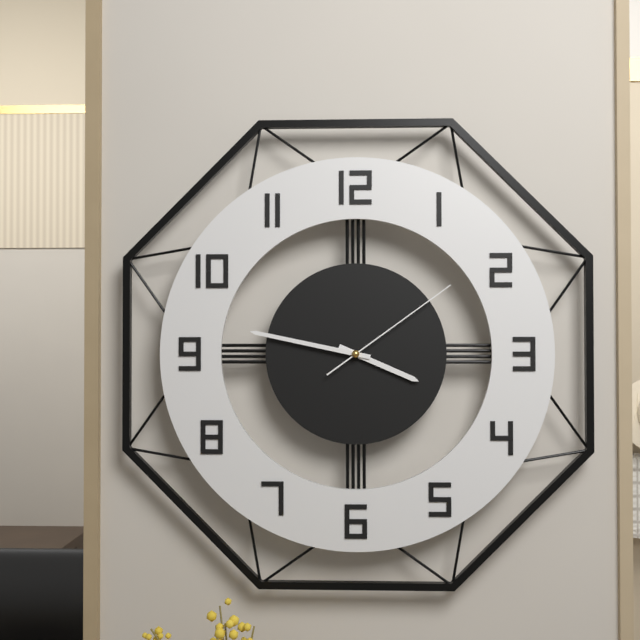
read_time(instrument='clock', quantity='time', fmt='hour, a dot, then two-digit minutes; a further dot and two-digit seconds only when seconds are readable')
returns 3.47.09
